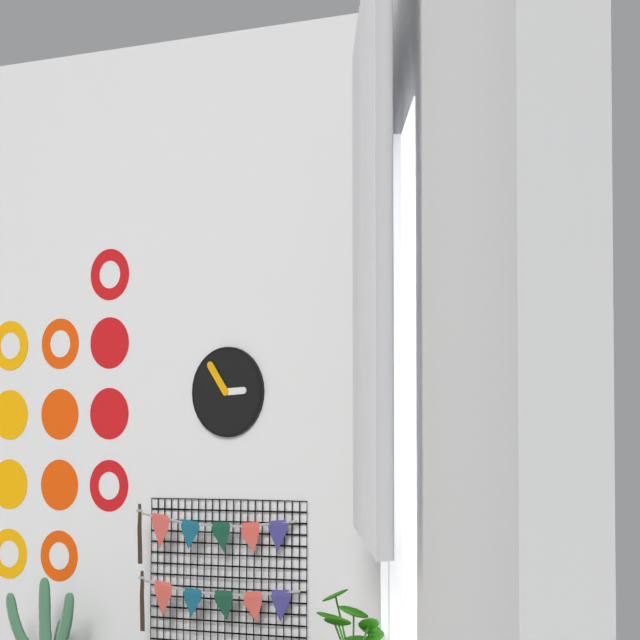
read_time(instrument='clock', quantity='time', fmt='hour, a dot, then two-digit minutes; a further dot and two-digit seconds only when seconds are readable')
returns 2.54
